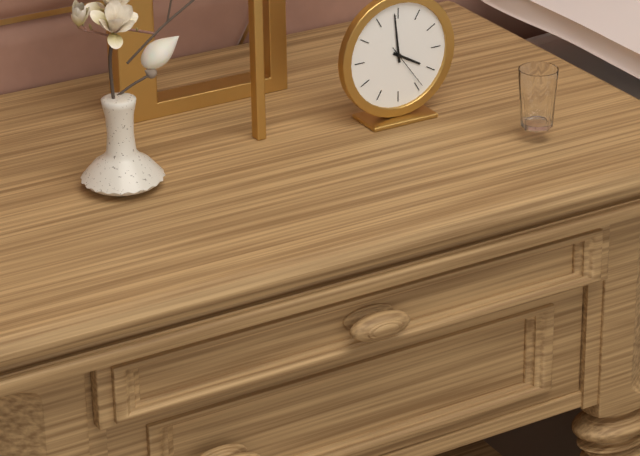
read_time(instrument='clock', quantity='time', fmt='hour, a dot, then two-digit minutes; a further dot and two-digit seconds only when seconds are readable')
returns 3.59
